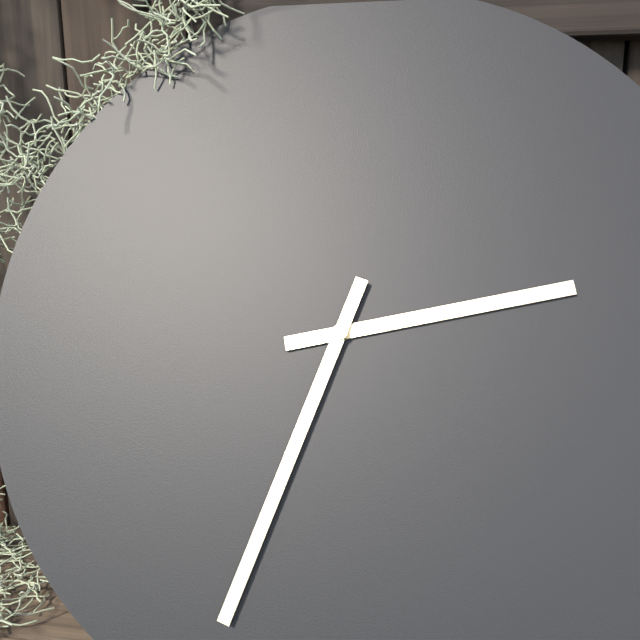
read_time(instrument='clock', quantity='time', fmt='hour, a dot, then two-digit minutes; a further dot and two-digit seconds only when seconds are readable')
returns 2.33
